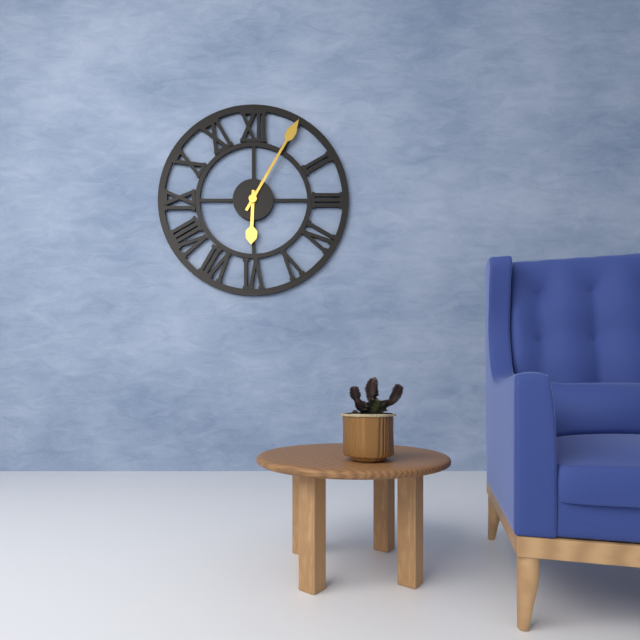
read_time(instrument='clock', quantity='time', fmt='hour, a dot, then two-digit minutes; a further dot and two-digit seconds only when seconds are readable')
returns 6.05
